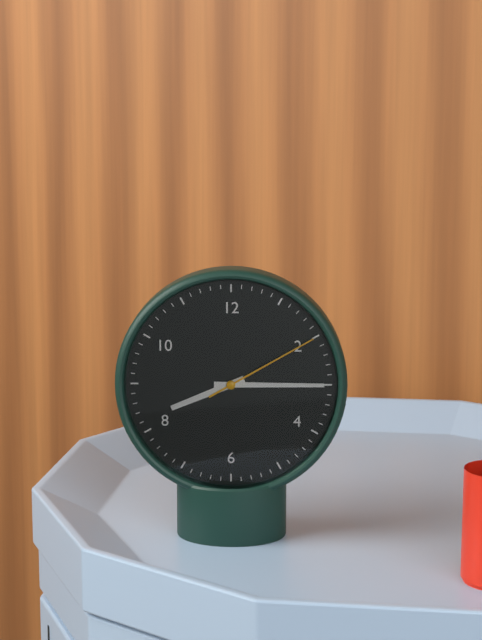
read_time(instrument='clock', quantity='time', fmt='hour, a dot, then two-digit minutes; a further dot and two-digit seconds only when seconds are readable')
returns 8.15.10
